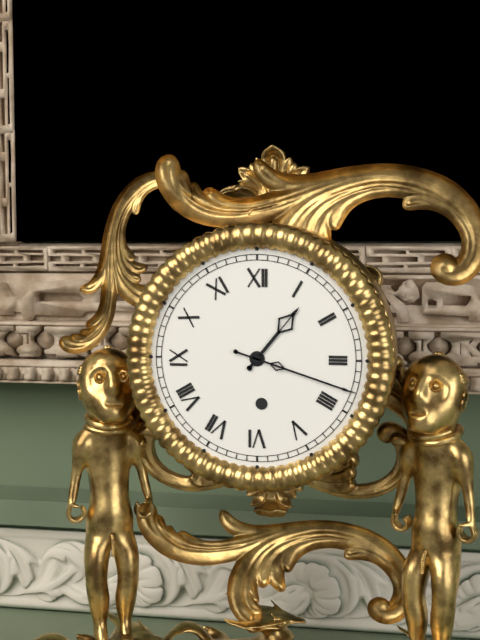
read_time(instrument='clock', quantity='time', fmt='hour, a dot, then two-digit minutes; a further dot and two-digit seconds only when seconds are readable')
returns 1.18
